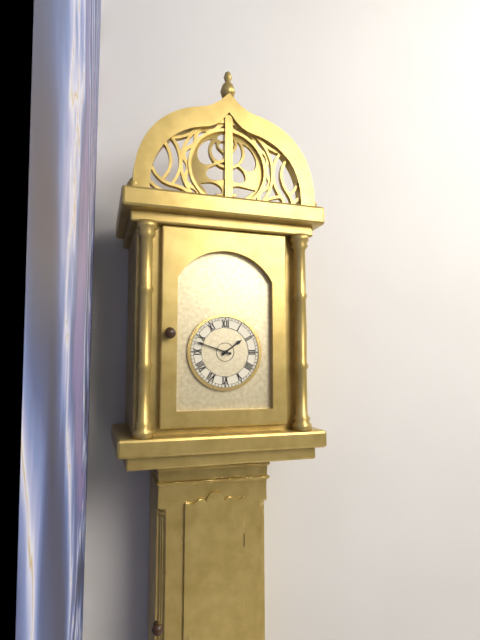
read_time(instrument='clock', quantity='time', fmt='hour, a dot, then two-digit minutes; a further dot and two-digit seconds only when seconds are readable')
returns 1.48
